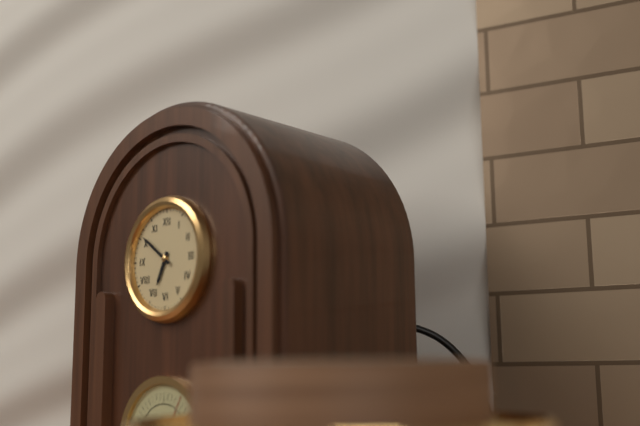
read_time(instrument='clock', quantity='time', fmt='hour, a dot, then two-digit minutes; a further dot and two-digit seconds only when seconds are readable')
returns 6.51
